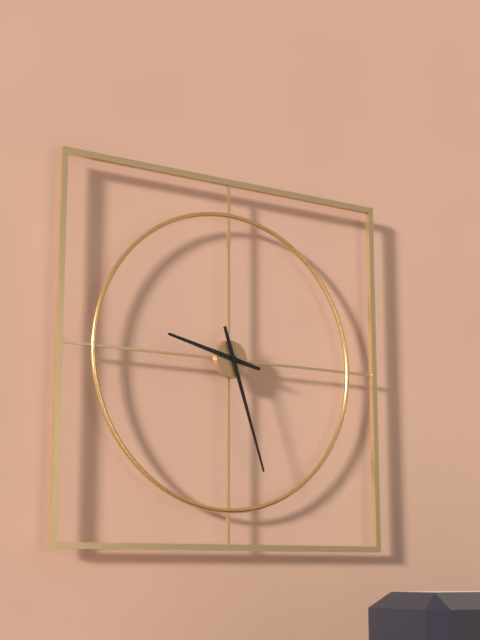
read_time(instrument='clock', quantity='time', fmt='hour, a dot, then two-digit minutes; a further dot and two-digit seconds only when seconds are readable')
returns 9.27
